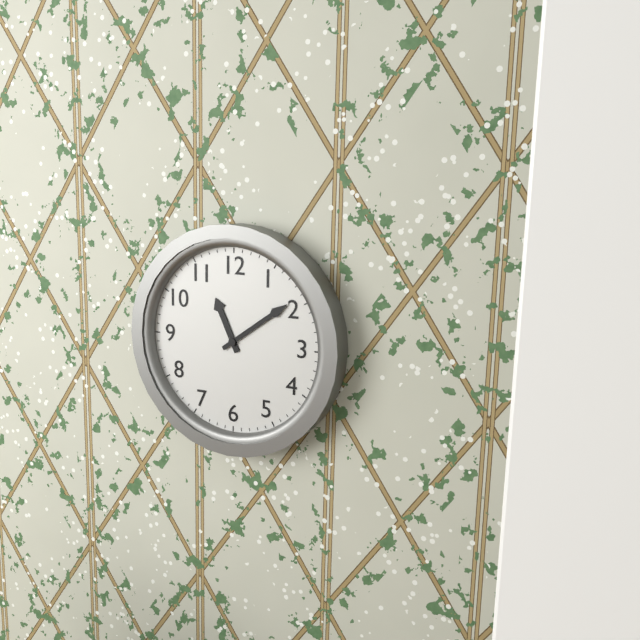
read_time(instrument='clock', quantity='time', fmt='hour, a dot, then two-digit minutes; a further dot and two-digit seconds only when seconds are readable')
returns 11.09
